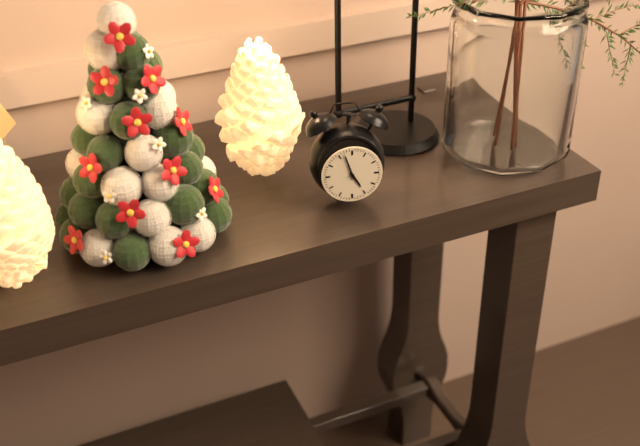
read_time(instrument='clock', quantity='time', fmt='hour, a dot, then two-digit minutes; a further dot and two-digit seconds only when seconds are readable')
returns 4.57
